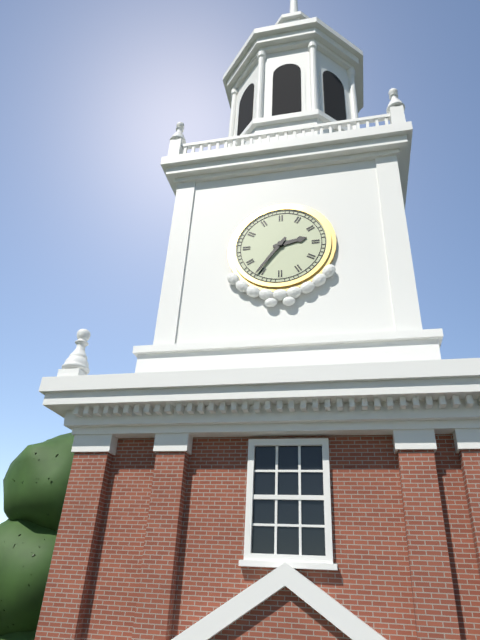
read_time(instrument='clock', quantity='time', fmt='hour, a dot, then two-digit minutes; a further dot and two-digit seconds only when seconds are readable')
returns 2.36
